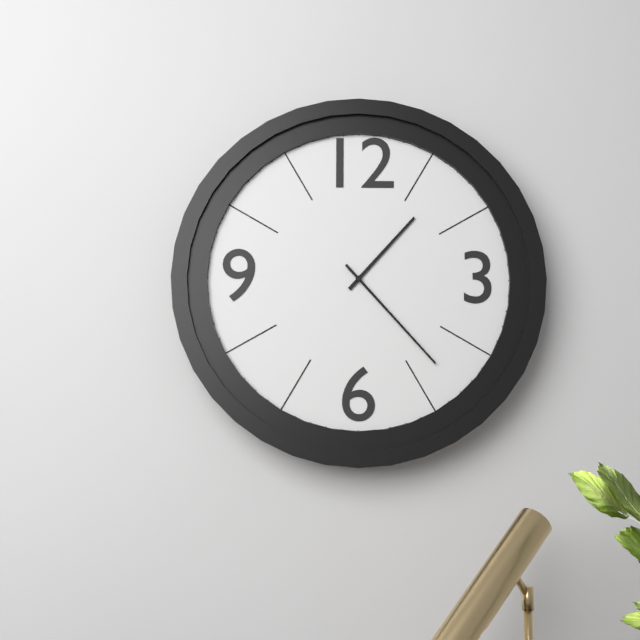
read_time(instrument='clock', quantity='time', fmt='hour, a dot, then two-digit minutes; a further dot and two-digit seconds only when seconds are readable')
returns 1.23
